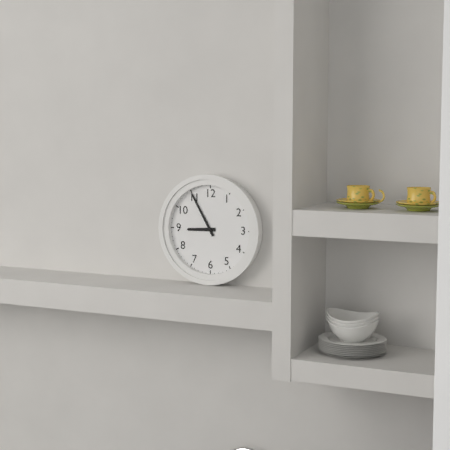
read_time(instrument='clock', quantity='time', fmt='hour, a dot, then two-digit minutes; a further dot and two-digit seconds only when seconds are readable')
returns 8.55
